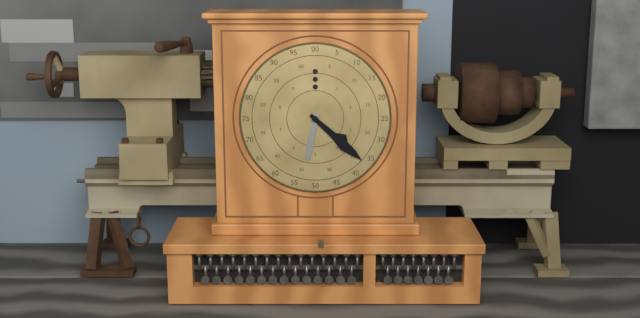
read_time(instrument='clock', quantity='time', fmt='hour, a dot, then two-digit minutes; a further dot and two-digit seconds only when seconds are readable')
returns 6.22
